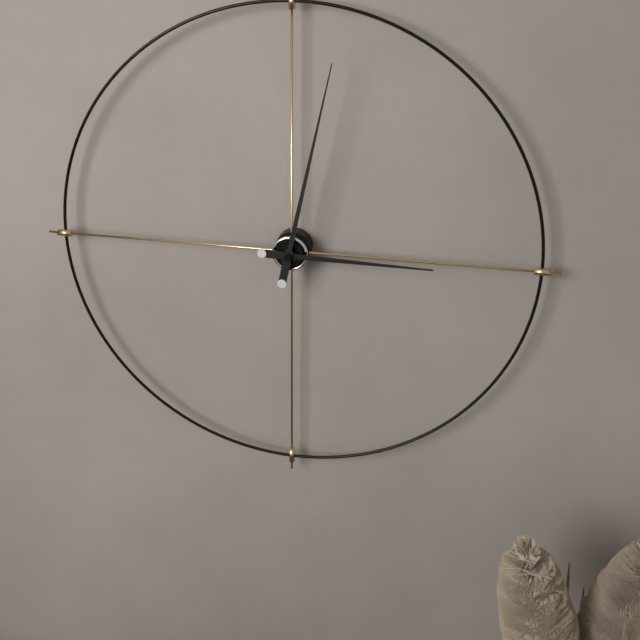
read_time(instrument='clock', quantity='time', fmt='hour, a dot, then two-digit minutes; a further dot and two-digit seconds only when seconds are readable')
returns 3.02
